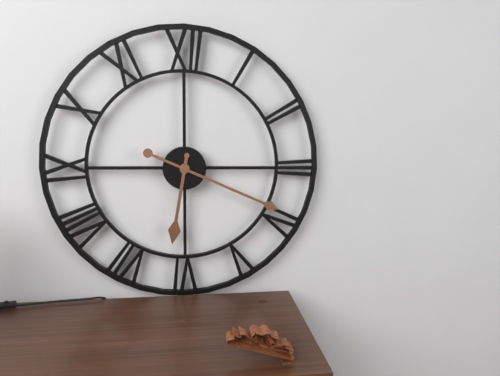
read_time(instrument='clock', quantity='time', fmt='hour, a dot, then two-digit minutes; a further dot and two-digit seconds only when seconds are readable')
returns 6.19
